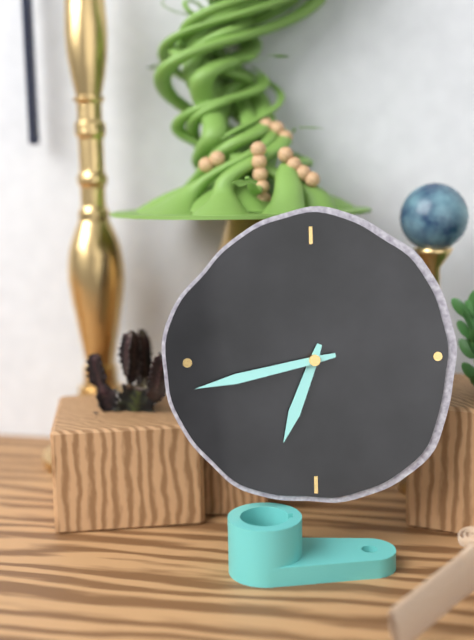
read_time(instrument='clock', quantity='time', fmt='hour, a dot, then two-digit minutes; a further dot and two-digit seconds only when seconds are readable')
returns 6.43
